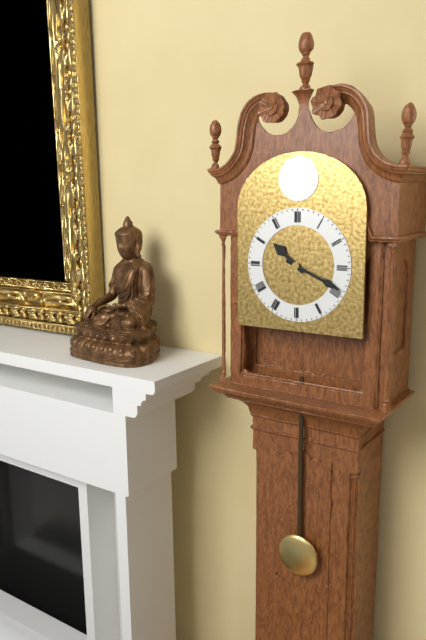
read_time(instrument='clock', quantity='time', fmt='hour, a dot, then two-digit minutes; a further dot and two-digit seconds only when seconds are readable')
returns 10.19
